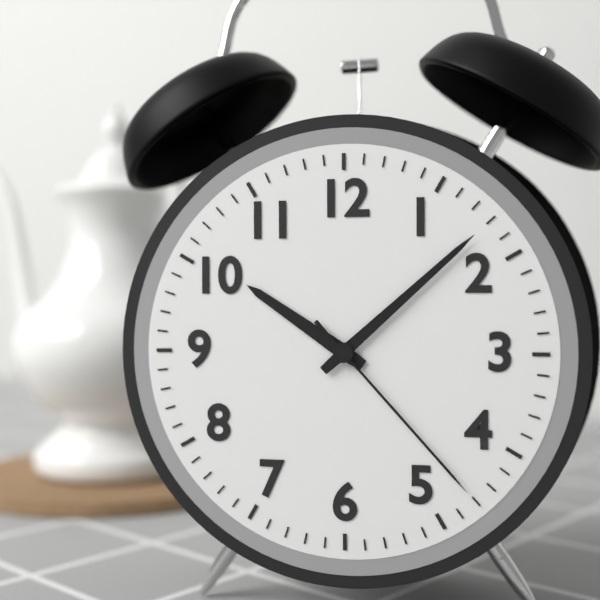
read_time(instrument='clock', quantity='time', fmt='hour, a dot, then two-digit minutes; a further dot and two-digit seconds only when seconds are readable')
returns 10.08.23
